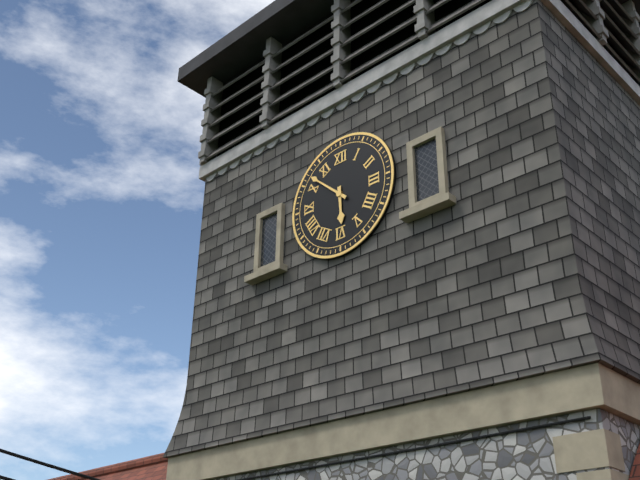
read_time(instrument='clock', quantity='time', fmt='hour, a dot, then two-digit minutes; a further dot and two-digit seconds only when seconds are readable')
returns 5.52
